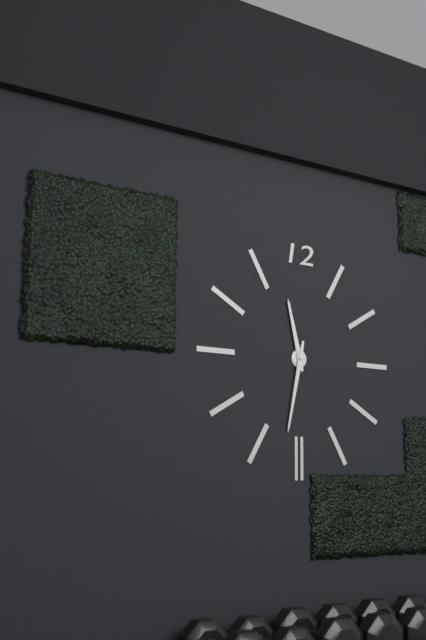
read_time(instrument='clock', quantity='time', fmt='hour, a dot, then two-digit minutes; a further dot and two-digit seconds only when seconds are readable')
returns 11.32
